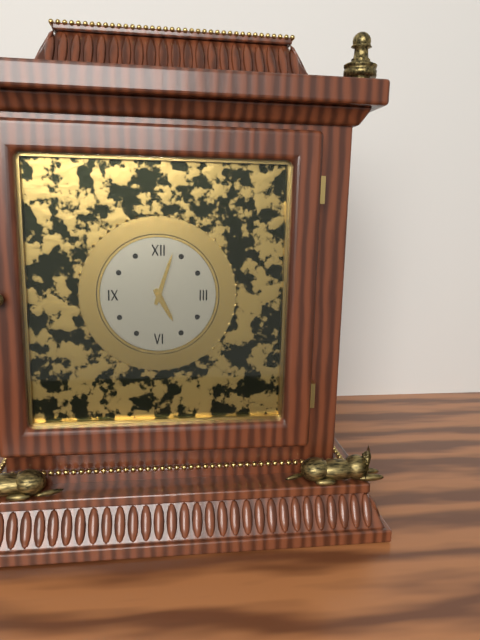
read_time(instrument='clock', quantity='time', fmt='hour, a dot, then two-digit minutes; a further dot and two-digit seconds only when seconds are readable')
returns 5.03
